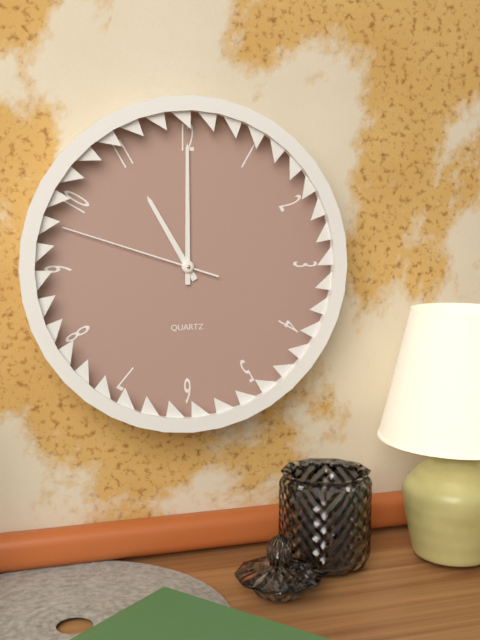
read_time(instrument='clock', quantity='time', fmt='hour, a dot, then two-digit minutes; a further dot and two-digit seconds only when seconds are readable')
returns 11.00.48
